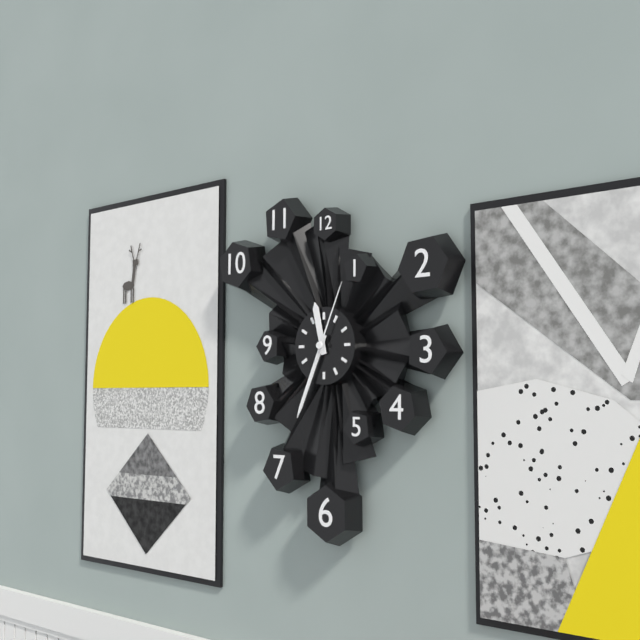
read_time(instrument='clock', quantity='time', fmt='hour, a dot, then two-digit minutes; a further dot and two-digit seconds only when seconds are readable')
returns 11.34.04
